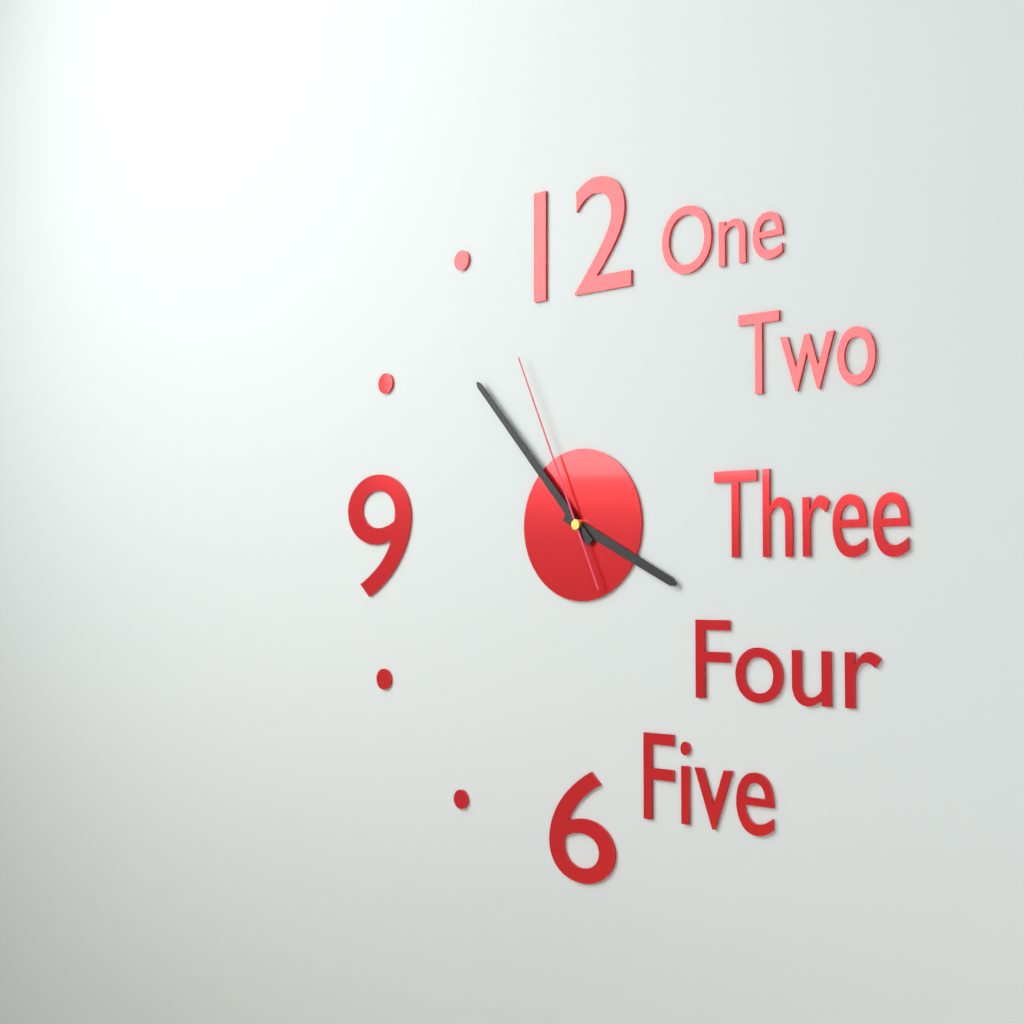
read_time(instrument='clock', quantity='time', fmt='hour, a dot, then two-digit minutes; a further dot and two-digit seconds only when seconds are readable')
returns 3.53.56
